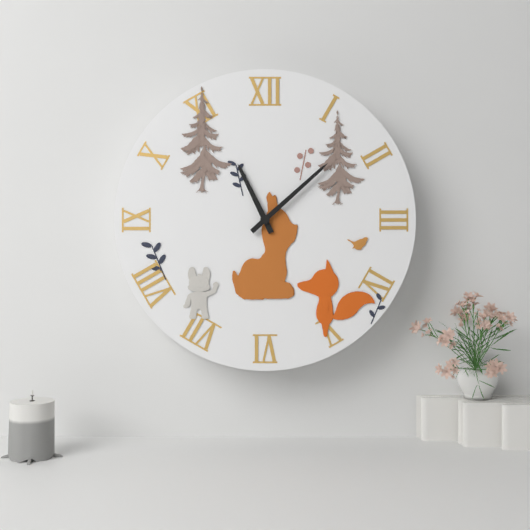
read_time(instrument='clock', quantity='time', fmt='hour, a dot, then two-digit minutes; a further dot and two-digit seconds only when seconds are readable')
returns 11.08
